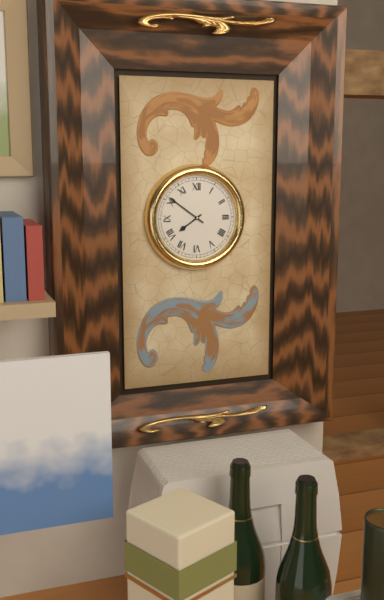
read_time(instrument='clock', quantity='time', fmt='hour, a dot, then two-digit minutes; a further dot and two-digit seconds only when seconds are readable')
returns 7.51
